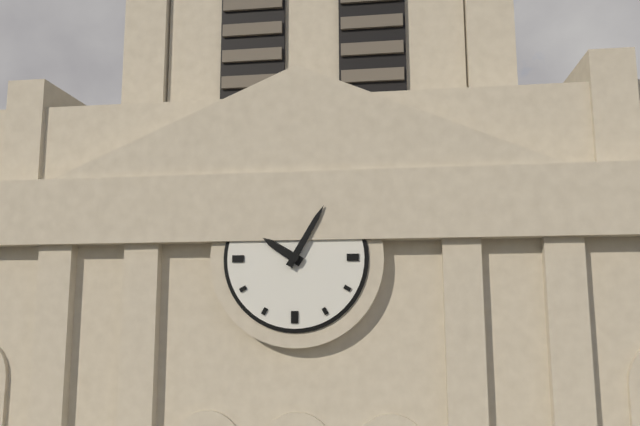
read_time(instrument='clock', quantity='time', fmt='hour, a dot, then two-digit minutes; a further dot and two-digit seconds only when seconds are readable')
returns 10.05
